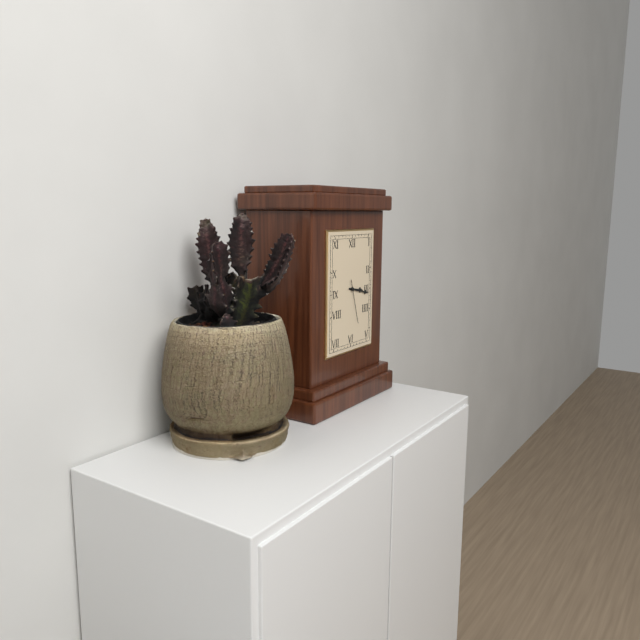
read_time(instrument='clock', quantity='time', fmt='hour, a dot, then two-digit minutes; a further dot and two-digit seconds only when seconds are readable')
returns 3.17.27
